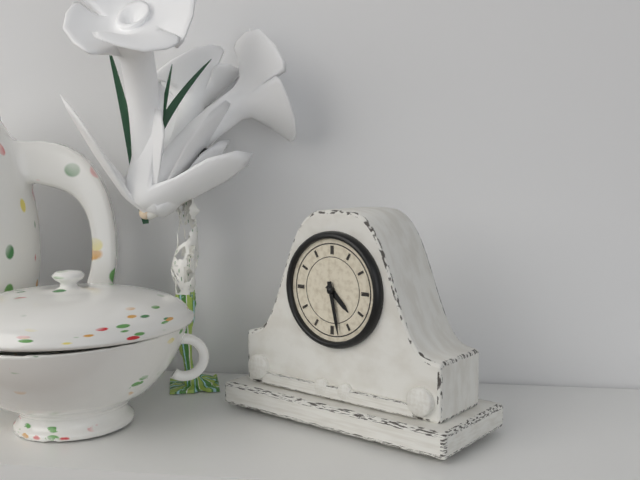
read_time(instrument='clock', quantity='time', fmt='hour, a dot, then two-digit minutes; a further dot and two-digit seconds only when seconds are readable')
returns 4.28
